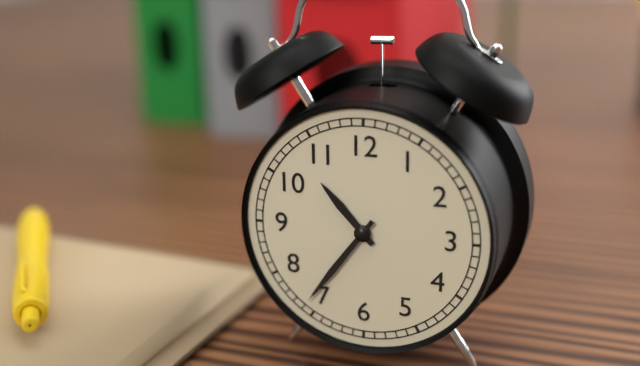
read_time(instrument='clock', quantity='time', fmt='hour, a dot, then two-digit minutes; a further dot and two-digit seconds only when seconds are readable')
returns 10.36
